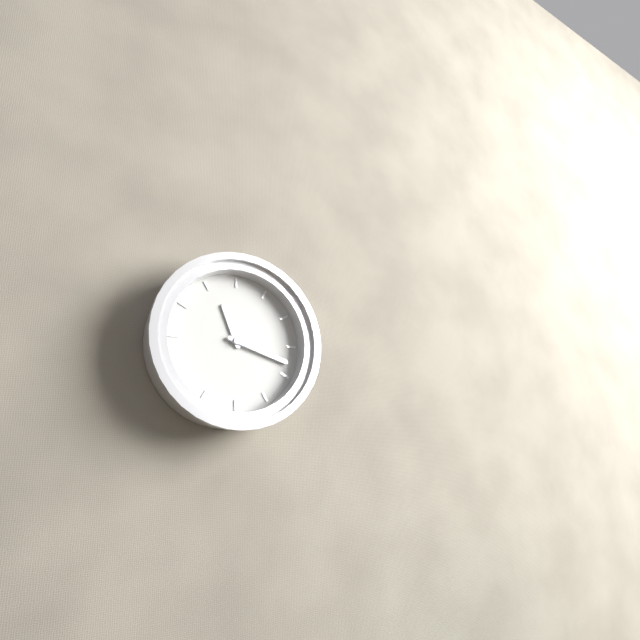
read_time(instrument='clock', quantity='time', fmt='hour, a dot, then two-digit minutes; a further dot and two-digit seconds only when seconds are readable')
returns 11.18
